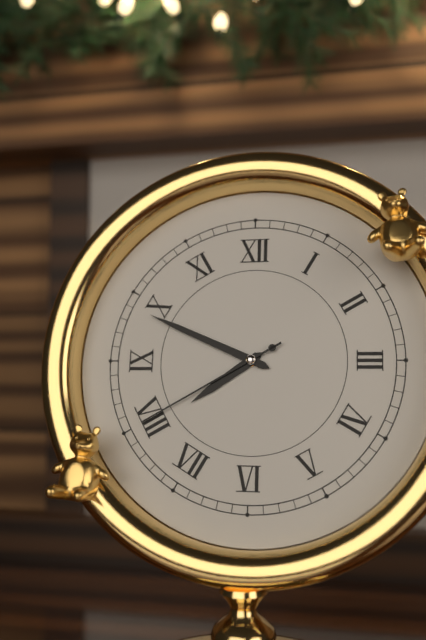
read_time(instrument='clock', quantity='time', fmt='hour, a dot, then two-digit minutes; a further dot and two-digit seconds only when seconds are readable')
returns 7.49.40
